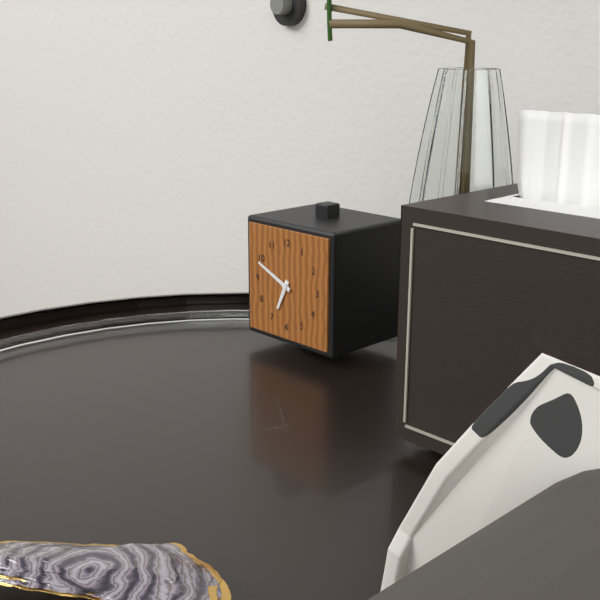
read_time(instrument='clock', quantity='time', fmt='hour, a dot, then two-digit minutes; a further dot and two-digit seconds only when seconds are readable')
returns 6.49
